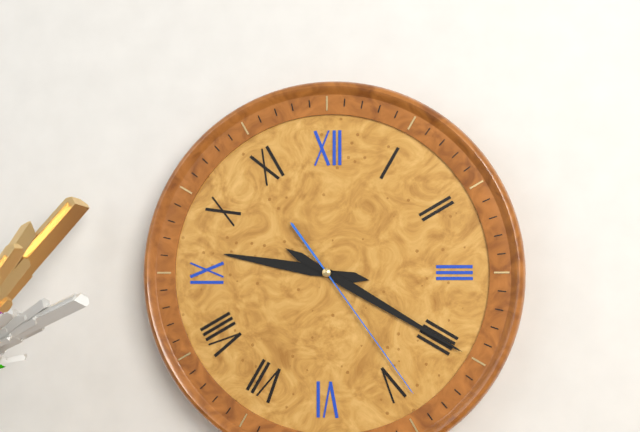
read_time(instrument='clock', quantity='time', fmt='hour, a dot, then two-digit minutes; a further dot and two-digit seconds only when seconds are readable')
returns 9.20.24
